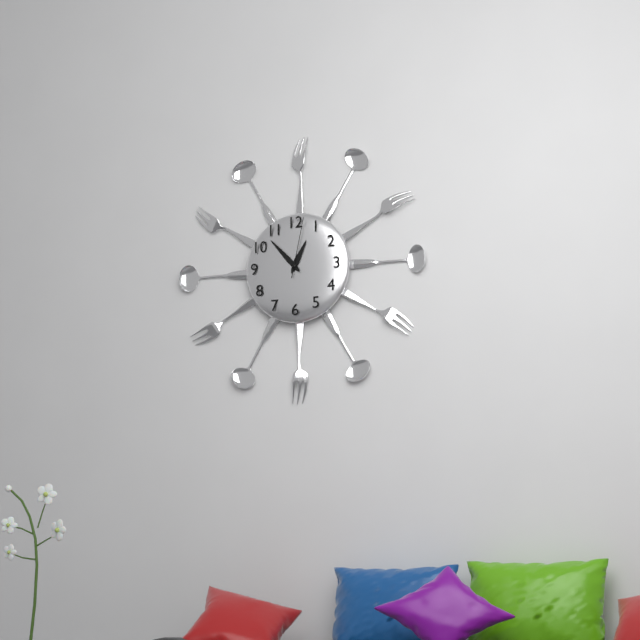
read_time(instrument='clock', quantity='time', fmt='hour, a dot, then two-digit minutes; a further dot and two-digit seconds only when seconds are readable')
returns 12.53.02
